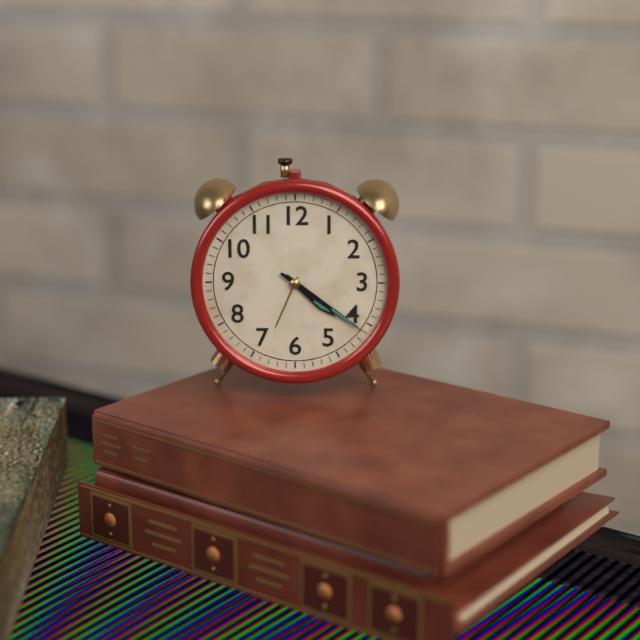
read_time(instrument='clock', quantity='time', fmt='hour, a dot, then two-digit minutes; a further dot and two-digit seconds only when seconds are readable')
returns 4.21
